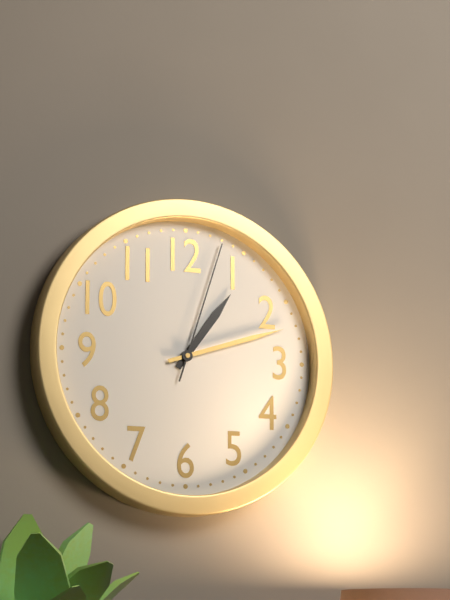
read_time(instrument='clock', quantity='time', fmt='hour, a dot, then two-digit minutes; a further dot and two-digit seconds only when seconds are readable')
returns 1.12.03
